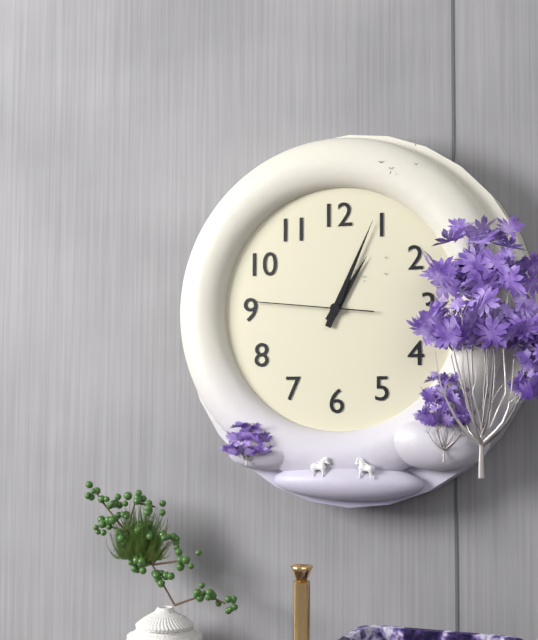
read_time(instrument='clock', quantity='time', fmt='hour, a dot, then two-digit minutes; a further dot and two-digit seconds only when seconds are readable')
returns 1.04.46
